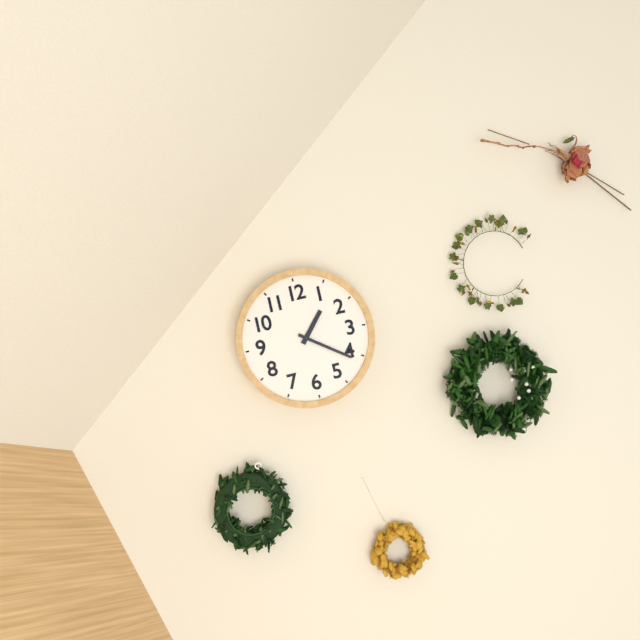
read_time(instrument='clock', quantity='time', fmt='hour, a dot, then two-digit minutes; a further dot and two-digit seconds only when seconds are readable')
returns 1.21
